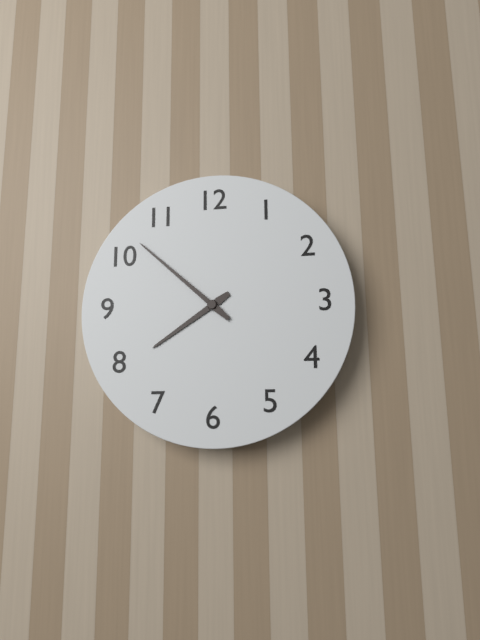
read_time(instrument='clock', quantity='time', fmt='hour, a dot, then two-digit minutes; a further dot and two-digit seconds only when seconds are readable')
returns 7.52
